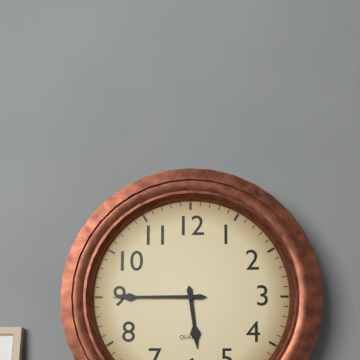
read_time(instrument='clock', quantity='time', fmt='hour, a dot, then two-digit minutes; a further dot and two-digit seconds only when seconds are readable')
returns 5.45
